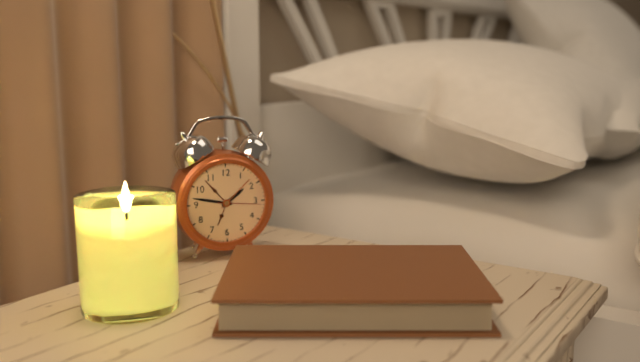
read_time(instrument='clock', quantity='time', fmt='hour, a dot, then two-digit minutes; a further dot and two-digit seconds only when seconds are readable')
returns 1.47
